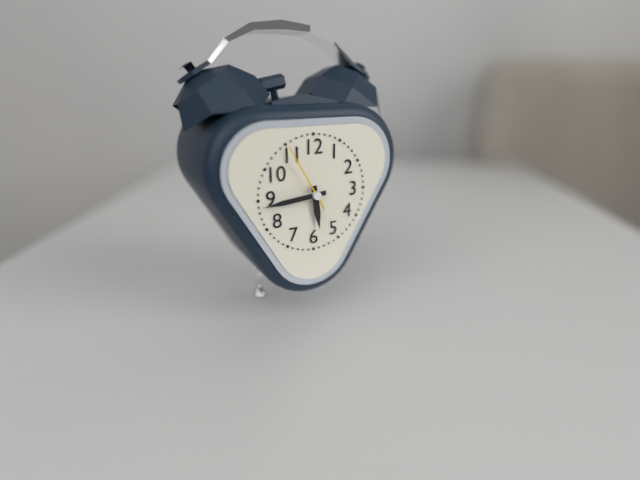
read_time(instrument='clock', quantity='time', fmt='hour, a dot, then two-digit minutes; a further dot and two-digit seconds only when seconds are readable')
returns 5.44.55
